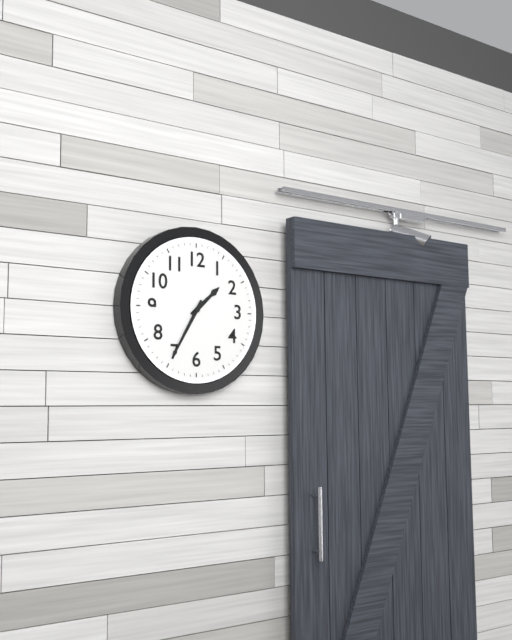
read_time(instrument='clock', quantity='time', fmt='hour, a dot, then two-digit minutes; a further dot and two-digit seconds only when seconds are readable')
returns 1.35
